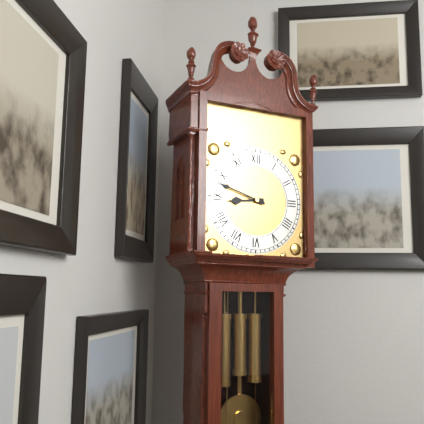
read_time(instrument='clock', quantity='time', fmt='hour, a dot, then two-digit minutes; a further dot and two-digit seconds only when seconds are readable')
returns 8.48
